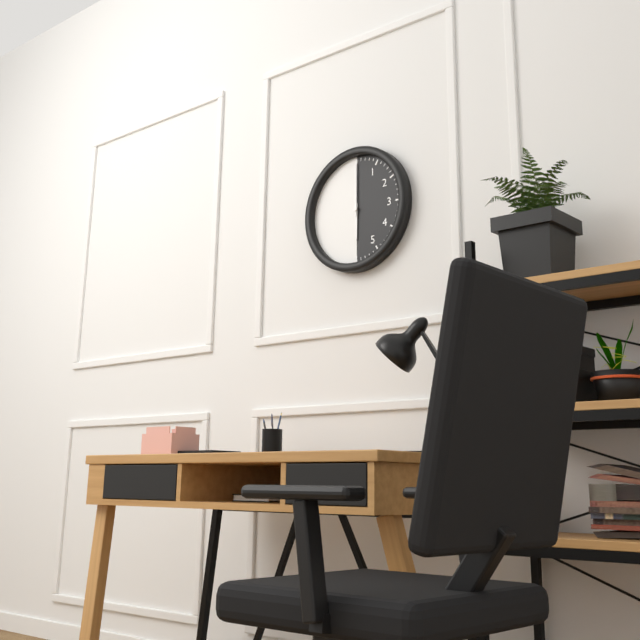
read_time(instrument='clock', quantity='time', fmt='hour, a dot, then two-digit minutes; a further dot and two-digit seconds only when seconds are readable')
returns 6.00
